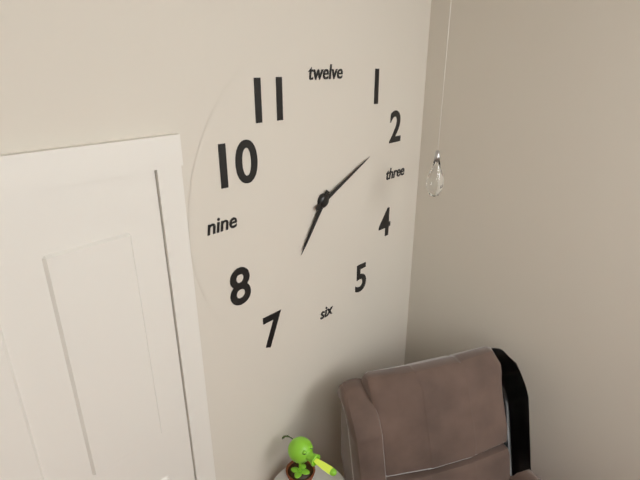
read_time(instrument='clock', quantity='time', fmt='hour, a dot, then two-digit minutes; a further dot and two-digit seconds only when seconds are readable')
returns 7.11
